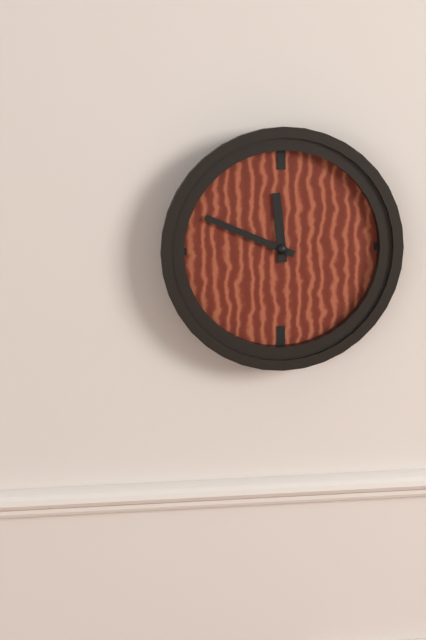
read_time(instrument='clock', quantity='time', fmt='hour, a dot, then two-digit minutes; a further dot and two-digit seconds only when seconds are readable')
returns 11.49
